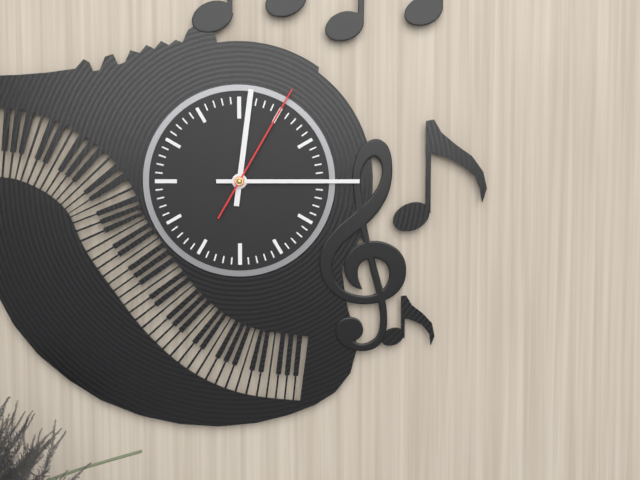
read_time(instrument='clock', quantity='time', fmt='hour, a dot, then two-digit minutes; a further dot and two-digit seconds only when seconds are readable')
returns 12.15.05
